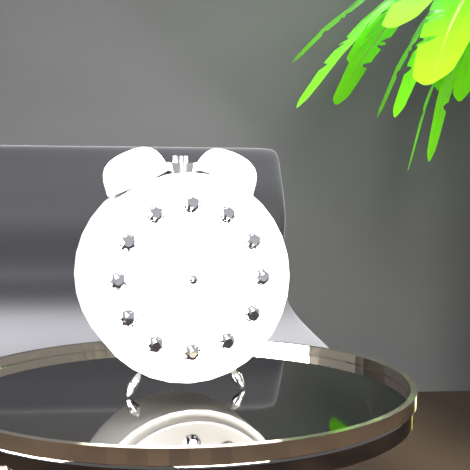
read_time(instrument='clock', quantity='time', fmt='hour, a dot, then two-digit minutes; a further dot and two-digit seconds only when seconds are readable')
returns 4.10.40
